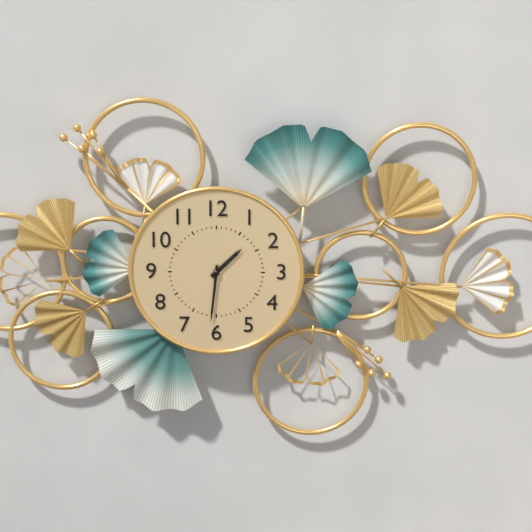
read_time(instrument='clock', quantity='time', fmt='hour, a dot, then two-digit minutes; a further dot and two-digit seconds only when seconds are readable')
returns 1.31
